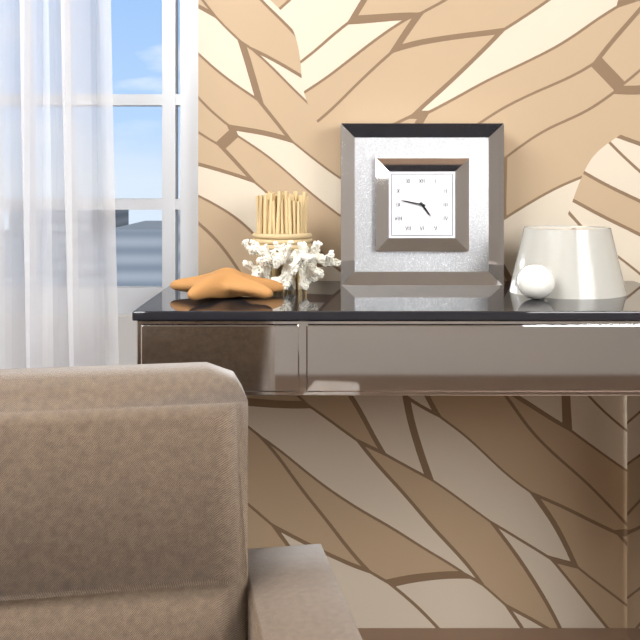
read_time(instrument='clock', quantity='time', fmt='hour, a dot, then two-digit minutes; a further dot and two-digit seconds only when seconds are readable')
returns 4.47
